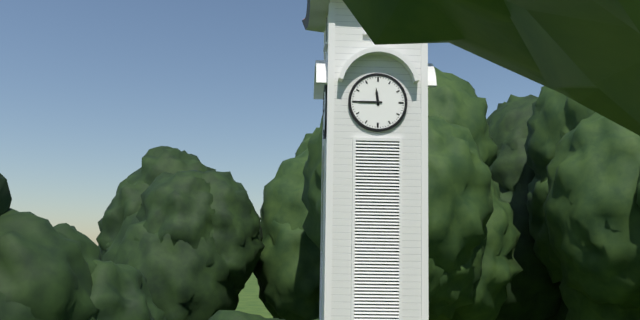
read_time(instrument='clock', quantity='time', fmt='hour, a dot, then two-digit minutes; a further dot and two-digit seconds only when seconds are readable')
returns 11.45
